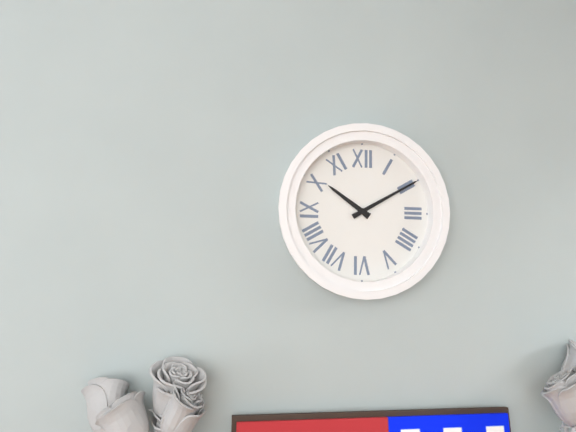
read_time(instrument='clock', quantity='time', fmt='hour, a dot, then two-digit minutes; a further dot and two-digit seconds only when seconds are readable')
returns 10.10
